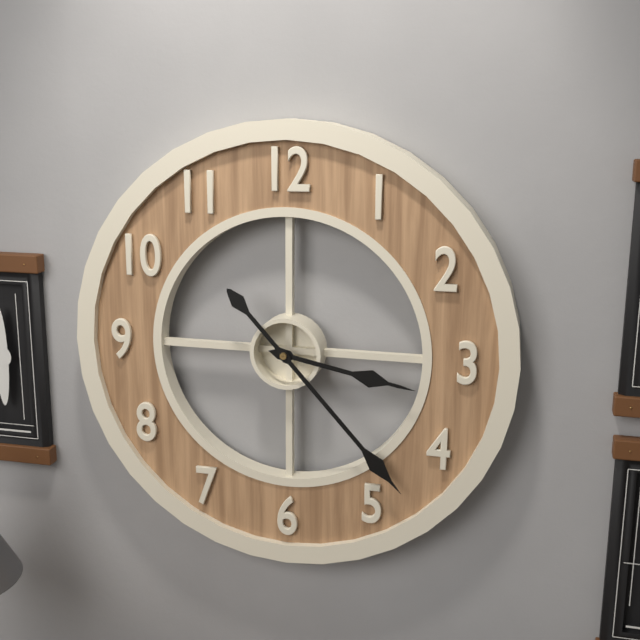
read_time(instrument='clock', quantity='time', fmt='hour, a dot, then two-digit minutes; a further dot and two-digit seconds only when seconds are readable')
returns 3.23
